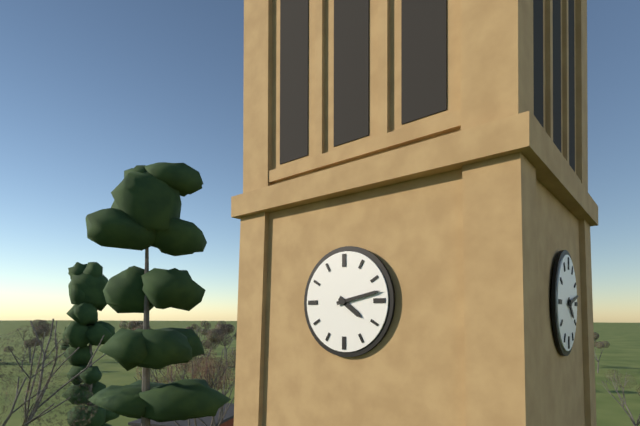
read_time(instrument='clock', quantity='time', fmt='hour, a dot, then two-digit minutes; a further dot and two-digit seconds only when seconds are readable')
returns 4.13
